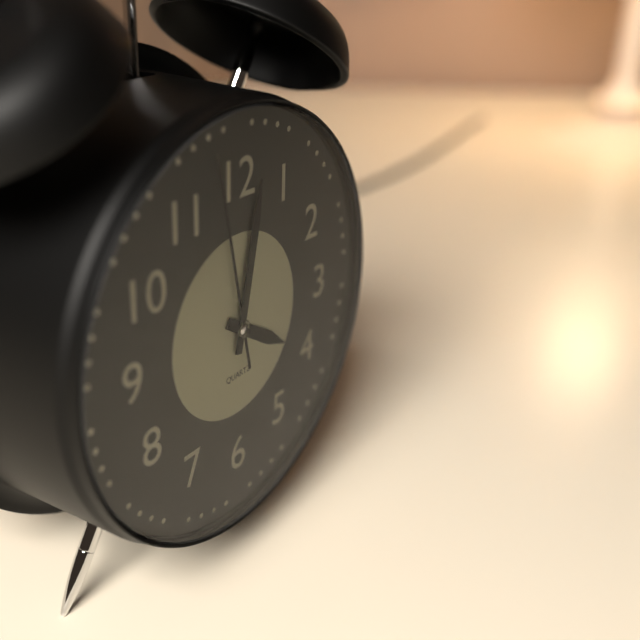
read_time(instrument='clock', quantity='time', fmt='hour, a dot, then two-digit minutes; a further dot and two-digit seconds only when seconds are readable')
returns 4.02.58
